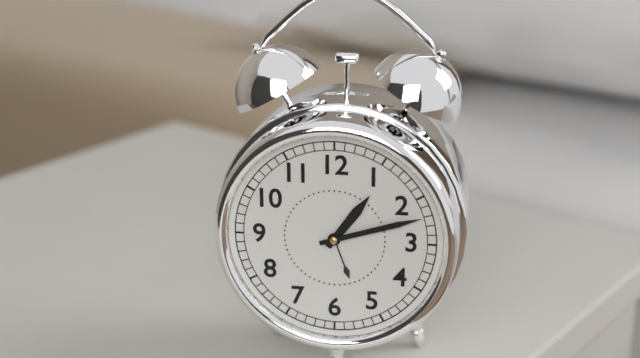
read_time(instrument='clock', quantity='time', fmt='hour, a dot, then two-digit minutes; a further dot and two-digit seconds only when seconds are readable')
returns 1.12
